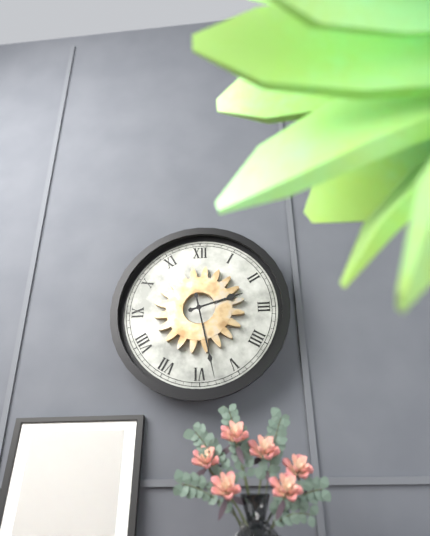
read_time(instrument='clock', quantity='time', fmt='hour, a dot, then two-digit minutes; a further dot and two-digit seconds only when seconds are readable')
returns 2.28
